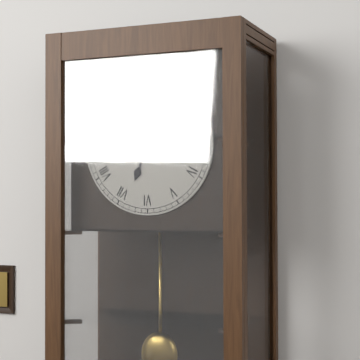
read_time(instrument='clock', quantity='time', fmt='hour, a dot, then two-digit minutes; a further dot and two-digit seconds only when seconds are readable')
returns 6.43
